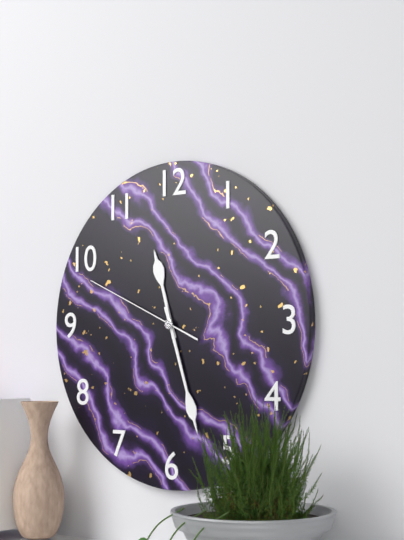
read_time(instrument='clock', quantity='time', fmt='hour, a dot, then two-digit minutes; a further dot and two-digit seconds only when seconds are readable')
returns 11.27.49
